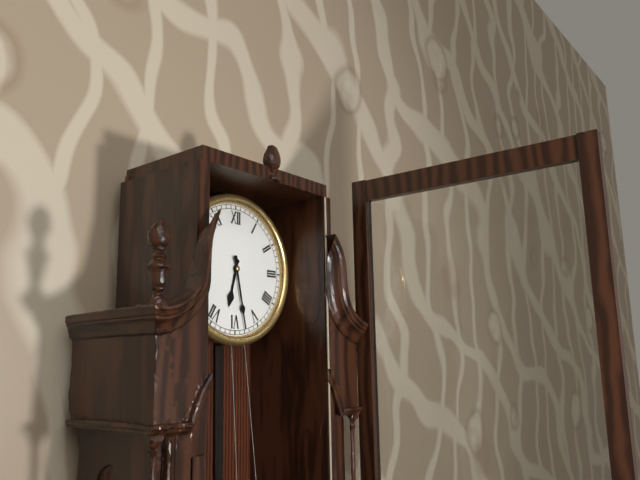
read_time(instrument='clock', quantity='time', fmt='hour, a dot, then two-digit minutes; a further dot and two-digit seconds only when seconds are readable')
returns 6.28
